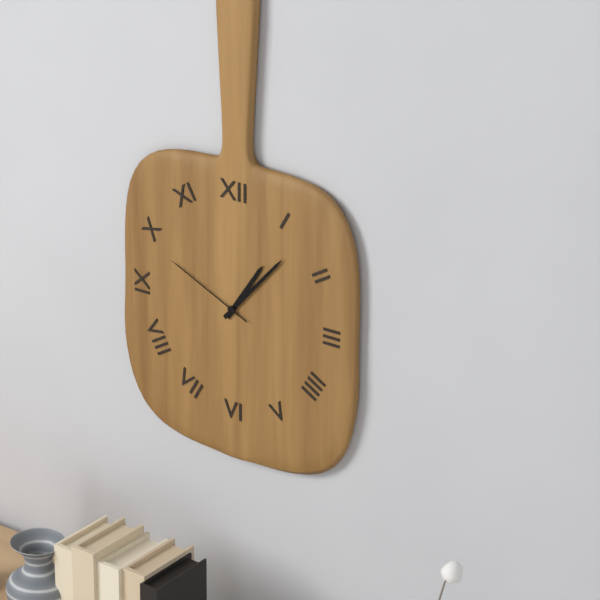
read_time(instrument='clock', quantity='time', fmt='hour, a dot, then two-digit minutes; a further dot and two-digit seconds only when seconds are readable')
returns 1.07.49
